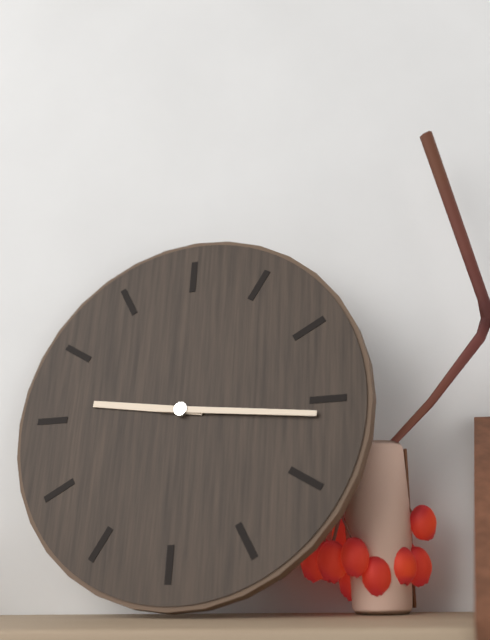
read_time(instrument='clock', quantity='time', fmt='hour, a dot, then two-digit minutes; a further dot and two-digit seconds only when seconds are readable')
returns 9.16
